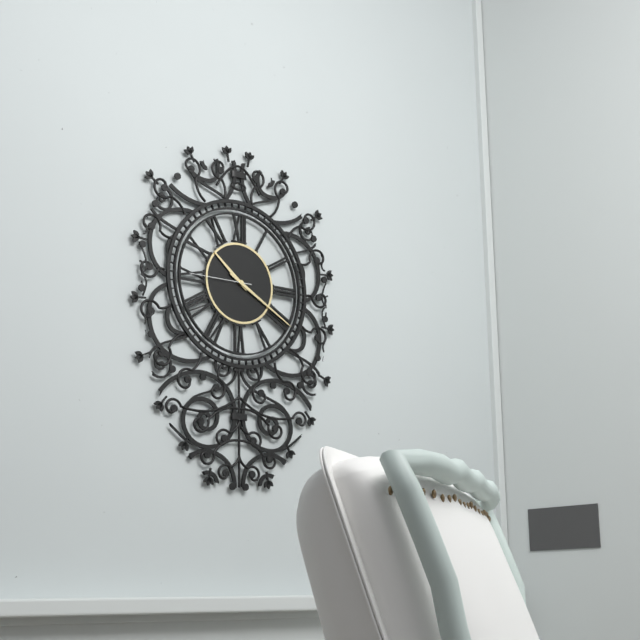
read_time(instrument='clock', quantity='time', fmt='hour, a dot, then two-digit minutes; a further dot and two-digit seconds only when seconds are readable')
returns 10.20.45
